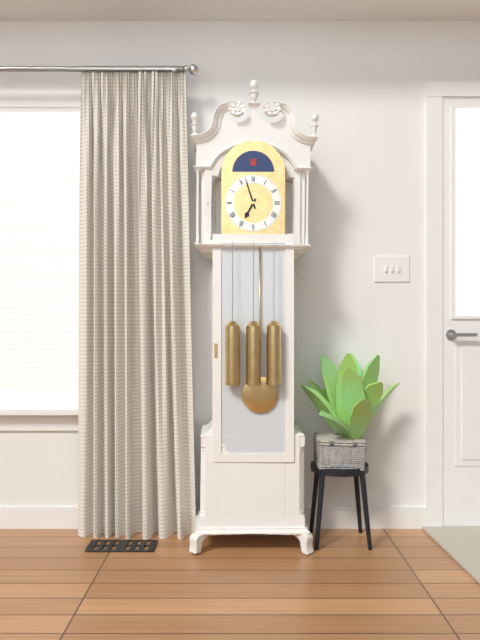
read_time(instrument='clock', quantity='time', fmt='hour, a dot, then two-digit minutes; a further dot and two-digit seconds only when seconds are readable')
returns 6.57
